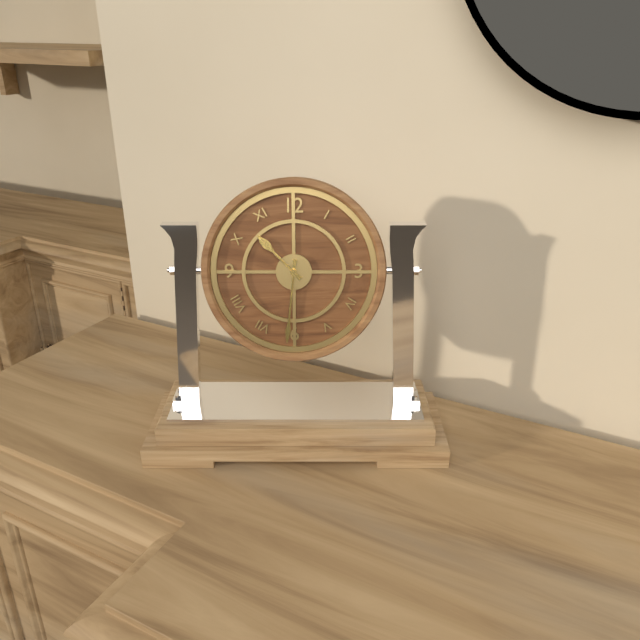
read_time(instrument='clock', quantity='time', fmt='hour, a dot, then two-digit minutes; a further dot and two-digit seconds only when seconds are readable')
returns 10.31
